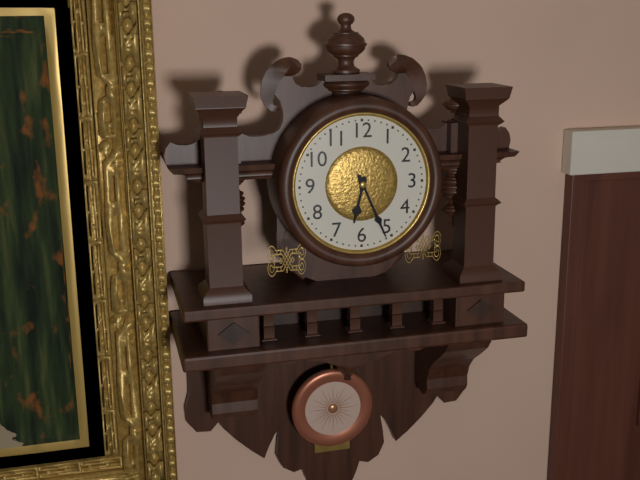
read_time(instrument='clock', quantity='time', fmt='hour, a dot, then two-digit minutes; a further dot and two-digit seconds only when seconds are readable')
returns 6.26
